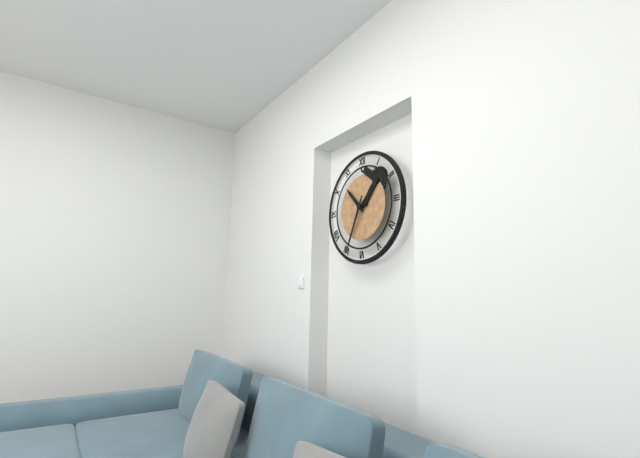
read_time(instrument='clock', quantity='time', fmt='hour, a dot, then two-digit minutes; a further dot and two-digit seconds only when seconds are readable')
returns 10.34
